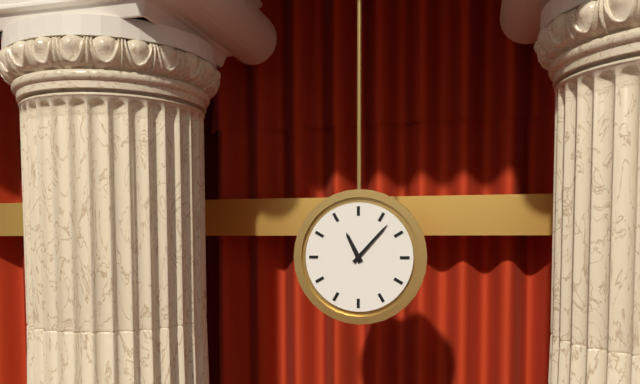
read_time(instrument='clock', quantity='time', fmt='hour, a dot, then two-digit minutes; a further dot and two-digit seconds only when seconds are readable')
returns 11.07
